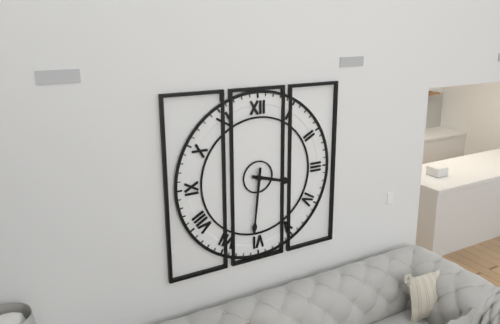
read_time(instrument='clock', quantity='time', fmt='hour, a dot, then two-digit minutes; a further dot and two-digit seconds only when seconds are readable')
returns 3.31
